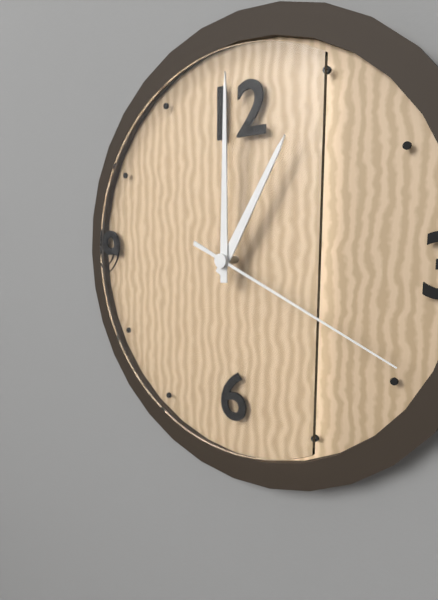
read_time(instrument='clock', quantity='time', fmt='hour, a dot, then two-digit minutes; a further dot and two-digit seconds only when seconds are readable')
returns 1.00.19
